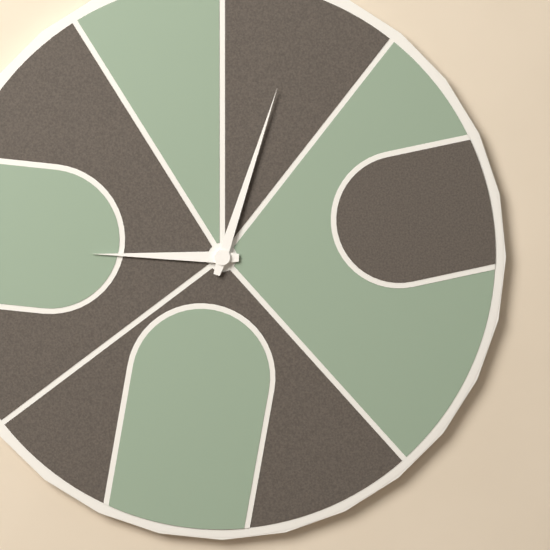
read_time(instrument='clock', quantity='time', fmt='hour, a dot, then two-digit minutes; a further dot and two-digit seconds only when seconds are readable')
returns 9.03
